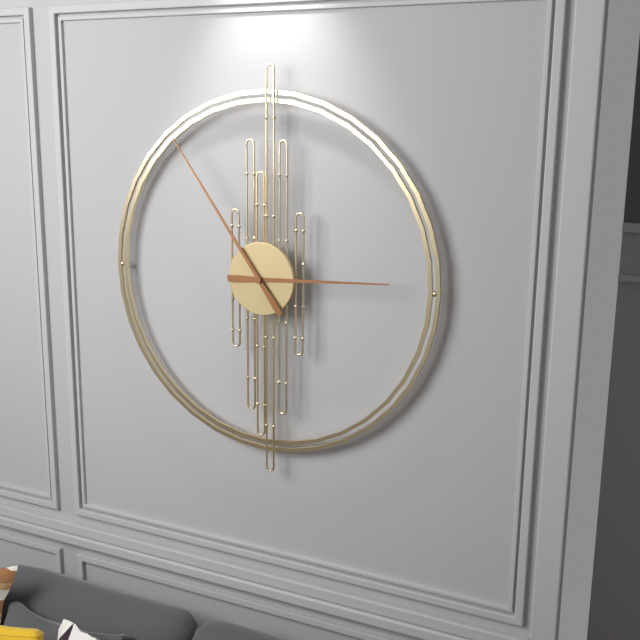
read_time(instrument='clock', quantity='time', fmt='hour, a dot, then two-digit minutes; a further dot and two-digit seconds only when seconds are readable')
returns 2.54
